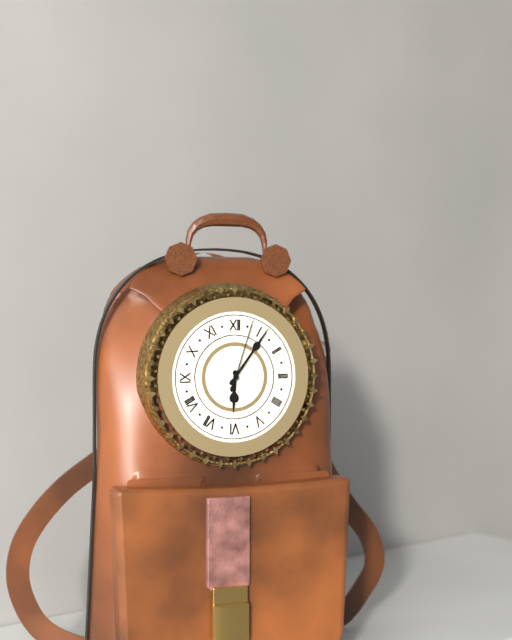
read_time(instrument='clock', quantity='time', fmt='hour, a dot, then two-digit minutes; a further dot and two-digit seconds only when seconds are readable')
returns 6.06.03
